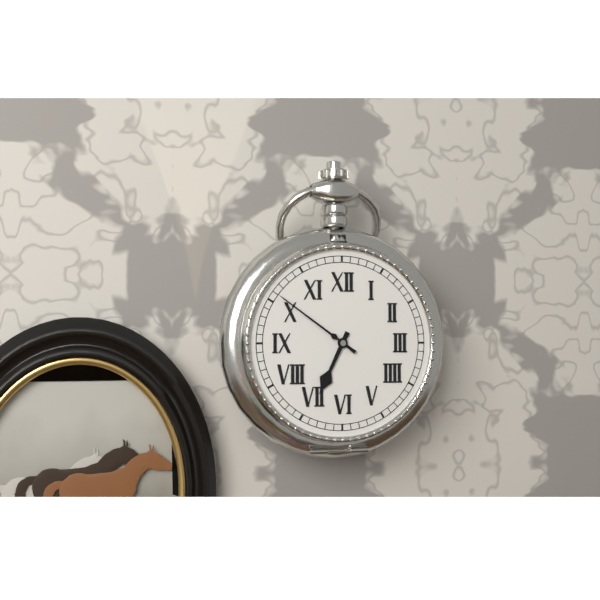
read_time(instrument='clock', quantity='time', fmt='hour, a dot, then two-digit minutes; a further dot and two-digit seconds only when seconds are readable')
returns 6.51
